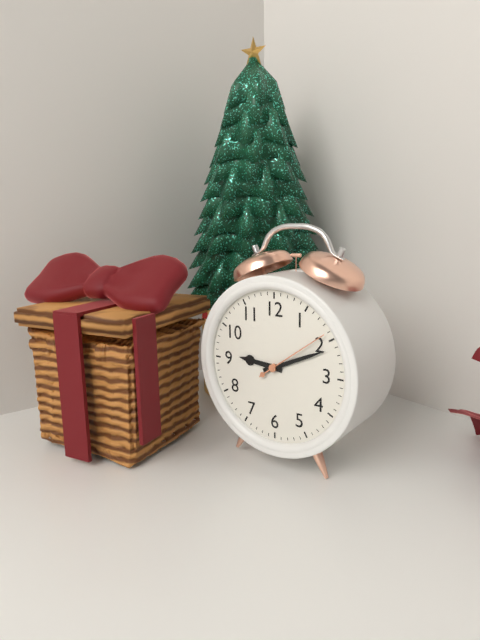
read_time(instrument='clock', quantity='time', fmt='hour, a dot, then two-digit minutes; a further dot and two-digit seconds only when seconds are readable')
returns 9.11.09
